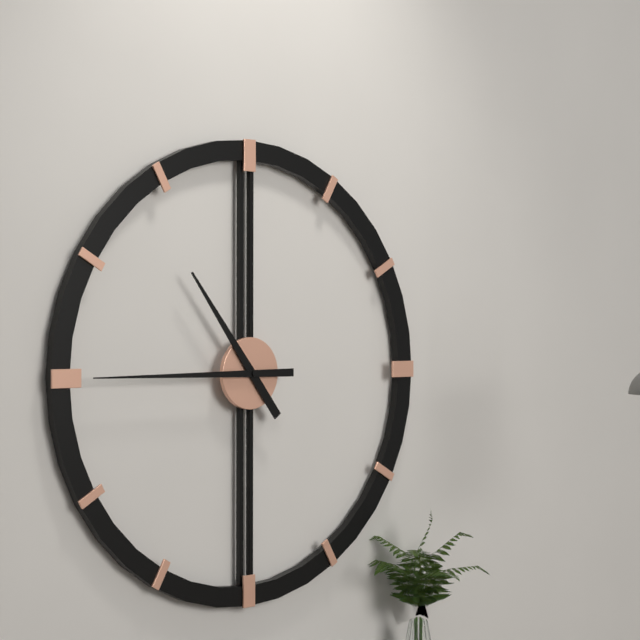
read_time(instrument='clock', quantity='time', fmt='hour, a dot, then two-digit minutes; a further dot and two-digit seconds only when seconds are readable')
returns 10.45
